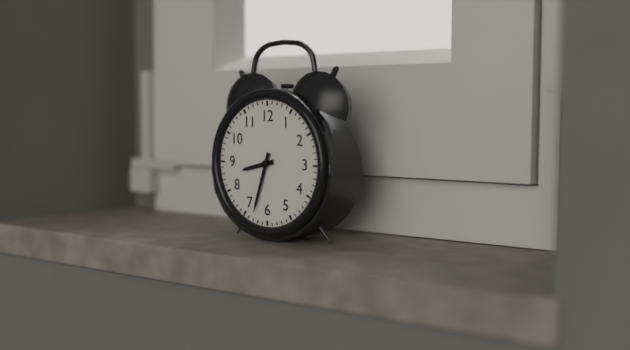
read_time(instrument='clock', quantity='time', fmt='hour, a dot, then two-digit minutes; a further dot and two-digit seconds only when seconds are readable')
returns 8.33
